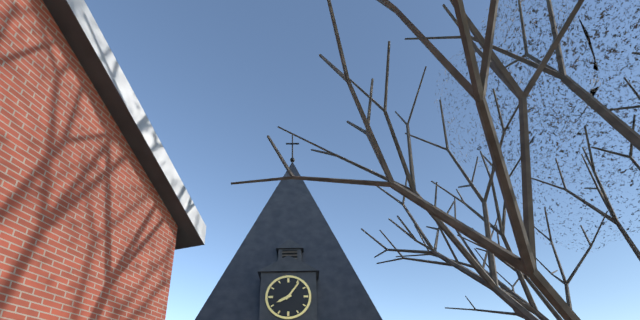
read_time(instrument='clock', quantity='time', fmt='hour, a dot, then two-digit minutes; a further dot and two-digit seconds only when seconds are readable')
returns 8.06
